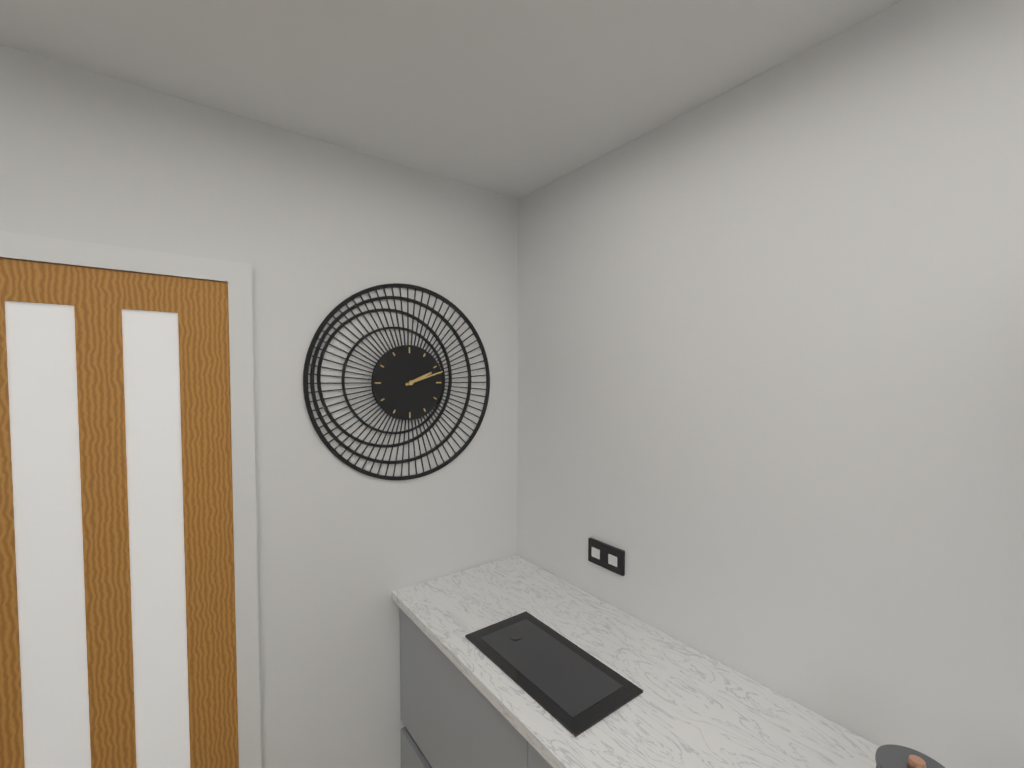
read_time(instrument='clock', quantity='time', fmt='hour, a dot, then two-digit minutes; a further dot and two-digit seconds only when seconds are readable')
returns 2.12
